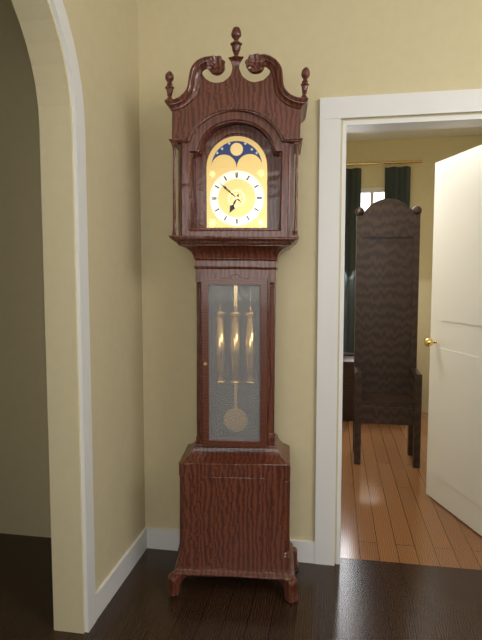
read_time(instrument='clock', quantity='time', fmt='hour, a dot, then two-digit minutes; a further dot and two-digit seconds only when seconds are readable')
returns 6.52
